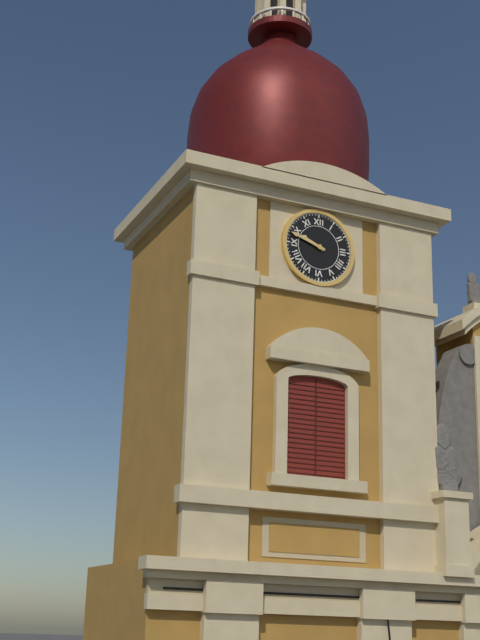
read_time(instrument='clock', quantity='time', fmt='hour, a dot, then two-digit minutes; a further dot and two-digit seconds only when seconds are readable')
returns 9.48
